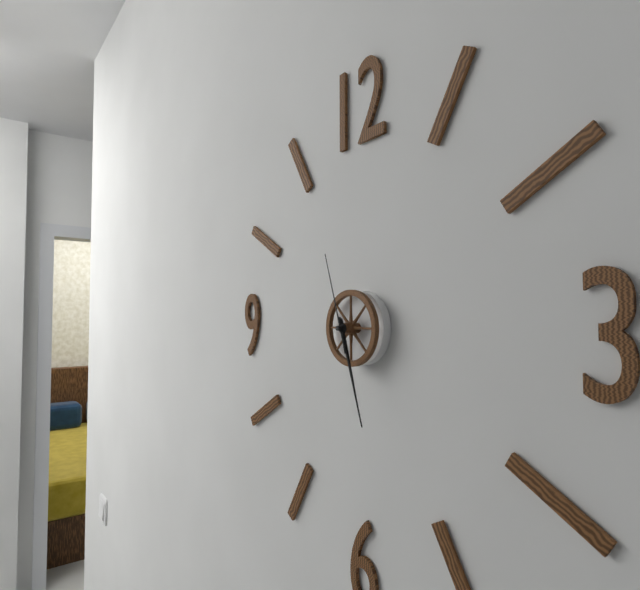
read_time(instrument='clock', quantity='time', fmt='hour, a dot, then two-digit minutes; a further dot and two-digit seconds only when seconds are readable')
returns 5.27.57
